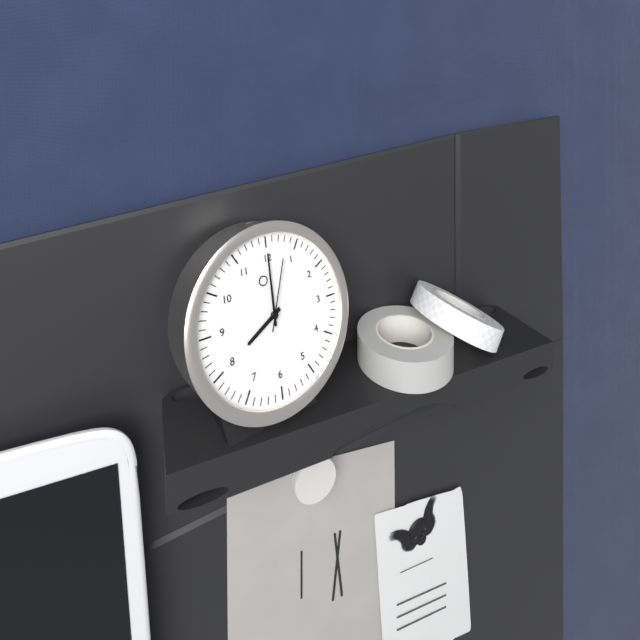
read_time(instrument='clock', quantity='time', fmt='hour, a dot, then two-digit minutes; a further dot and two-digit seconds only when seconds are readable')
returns 8.00.03
